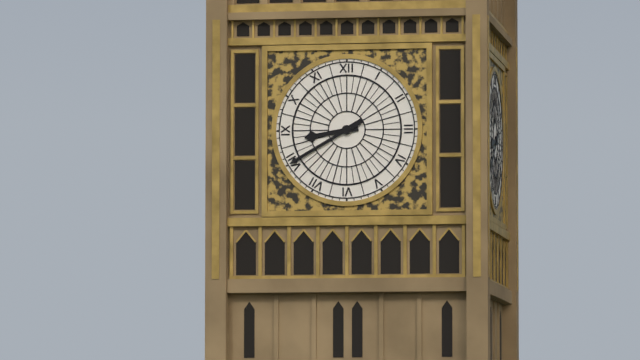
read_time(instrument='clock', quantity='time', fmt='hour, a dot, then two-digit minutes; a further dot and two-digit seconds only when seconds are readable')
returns 8.40
